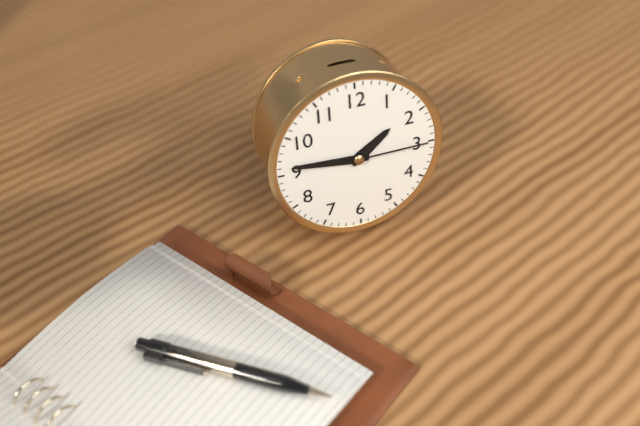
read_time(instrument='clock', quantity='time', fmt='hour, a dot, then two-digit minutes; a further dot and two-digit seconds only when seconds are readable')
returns 1.46.15
